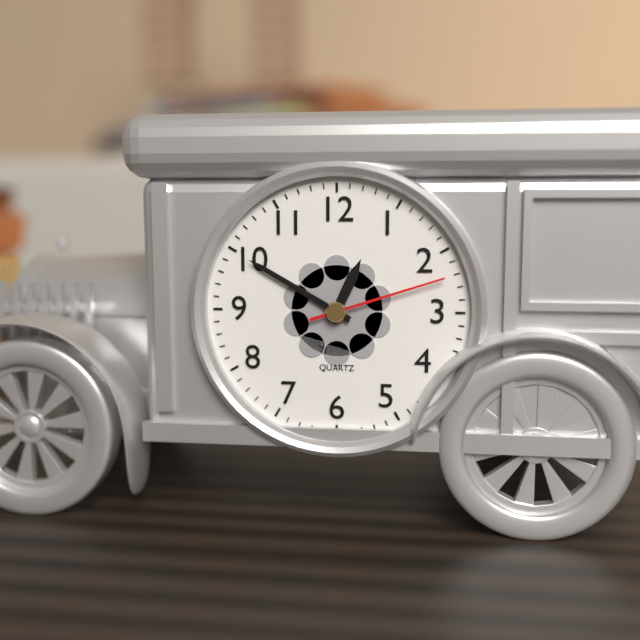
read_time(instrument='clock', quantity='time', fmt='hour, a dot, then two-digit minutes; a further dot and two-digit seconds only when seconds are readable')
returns 12.50.12
